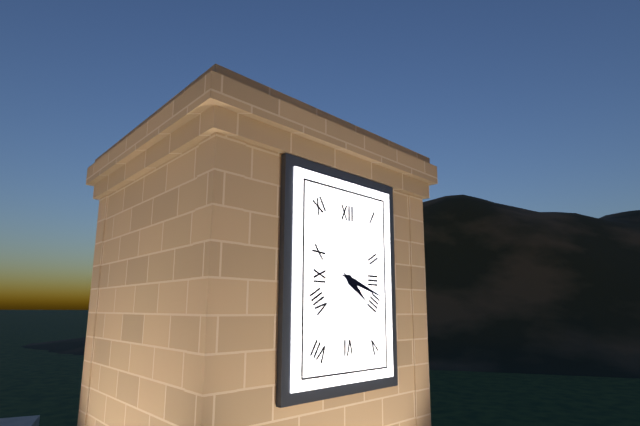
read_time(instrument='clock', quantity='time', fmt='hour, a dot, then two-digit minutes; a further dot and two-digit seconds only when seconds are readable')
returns 4.18
